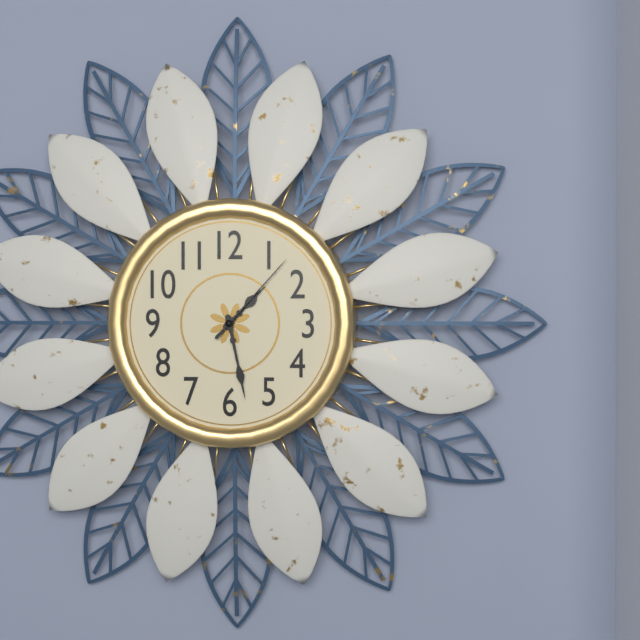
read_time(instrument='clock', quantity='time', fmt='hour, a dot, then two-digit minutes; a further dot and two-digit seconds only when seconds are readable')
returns 1.28.07
